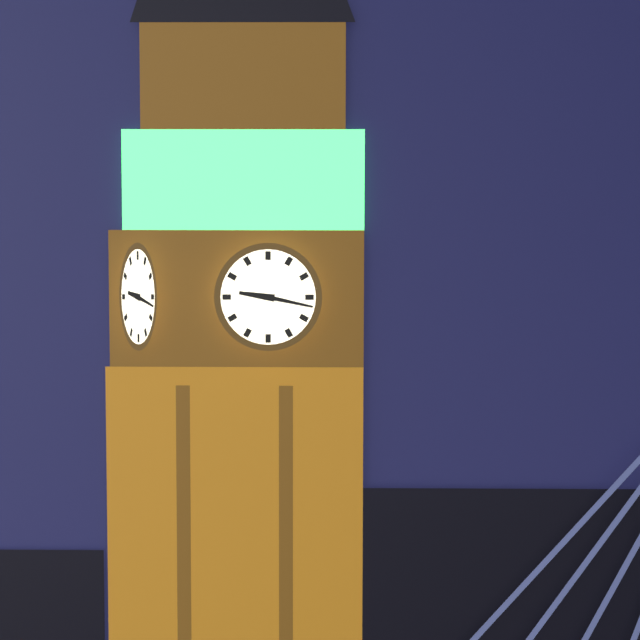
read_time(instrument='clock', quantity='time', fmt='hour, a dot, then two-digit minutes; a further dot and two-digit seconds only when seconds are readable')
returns 9.17
